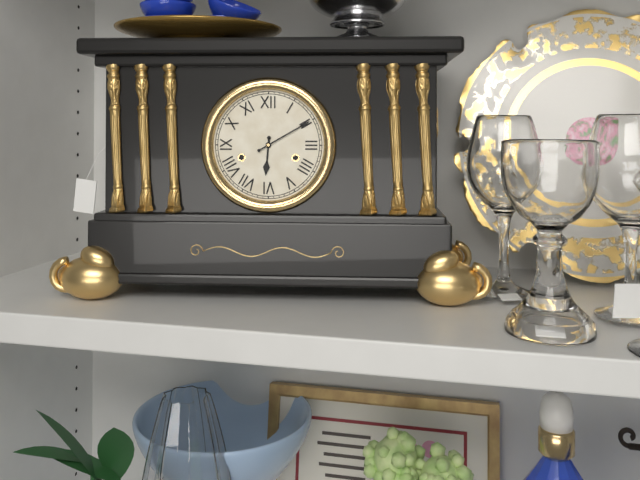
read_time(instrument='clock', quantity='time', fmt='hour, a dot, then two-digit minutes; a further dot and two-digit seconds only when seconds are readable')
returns 6.10
